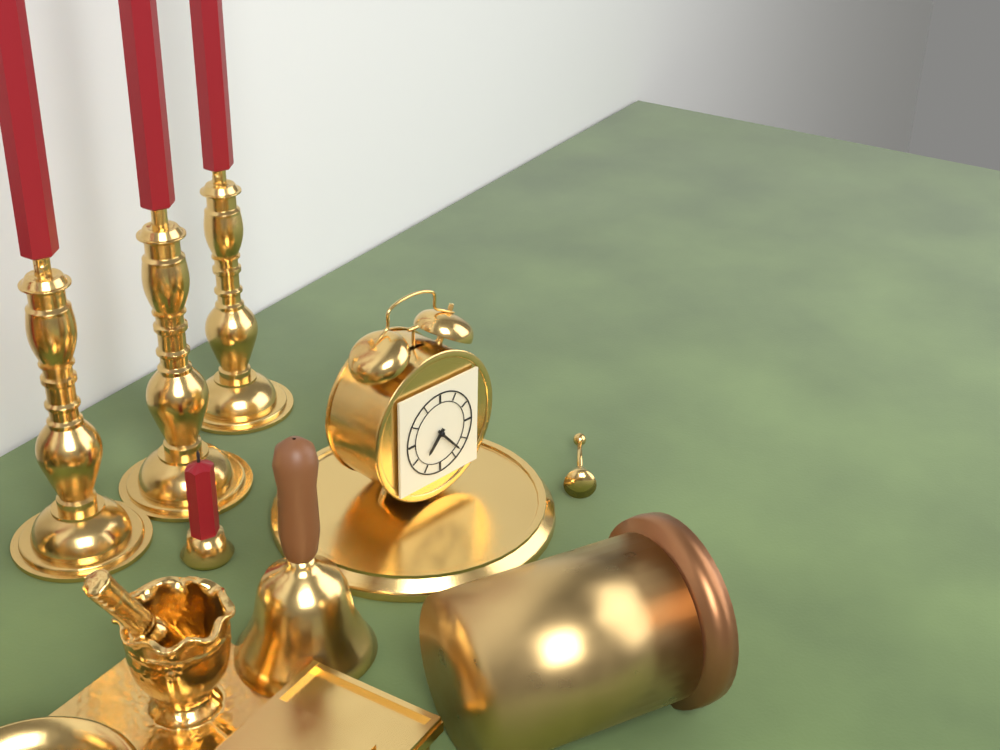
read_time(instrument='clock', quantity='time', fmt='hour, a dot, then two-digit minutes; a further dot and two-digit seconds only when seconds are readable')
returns 7.23
